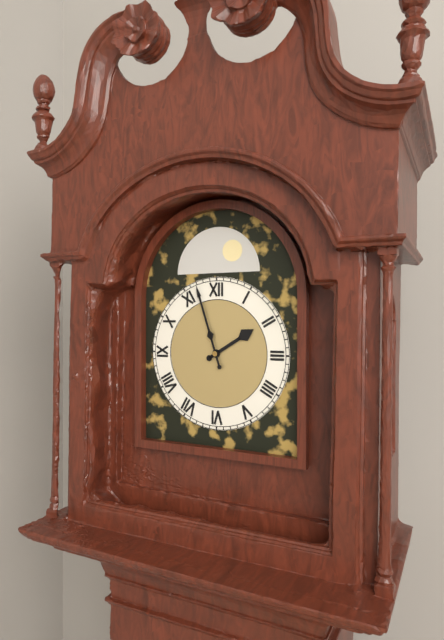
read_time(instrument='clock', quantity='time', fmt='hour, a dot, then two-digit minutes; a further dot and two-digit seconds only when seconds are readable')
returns 1.57
